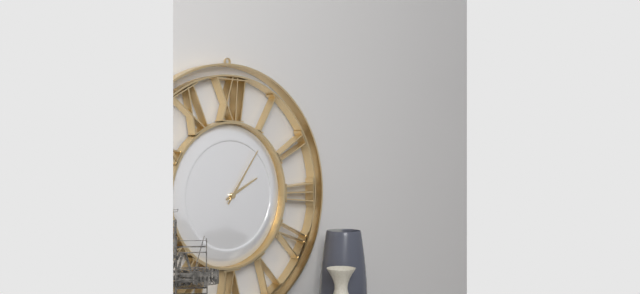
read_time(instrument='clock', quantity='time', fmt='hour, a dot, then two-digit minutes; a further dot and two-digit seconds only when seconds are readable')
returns 2.06
